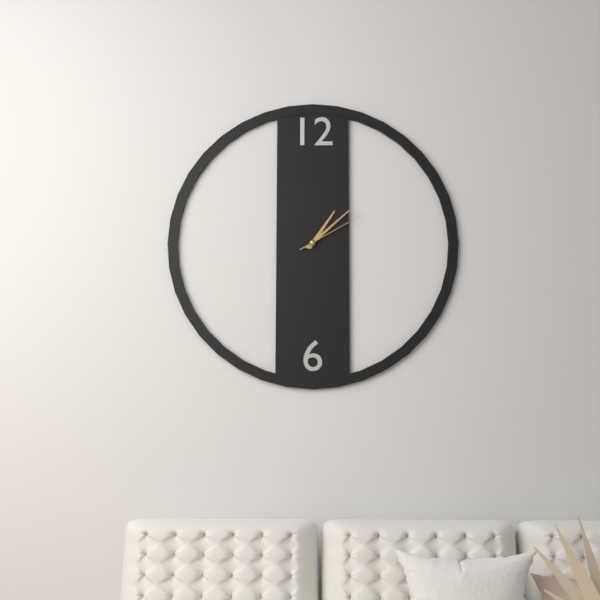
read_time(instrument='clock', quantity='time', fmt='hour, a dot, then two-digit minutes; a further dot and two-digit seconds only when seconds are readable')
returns 1.08.10
